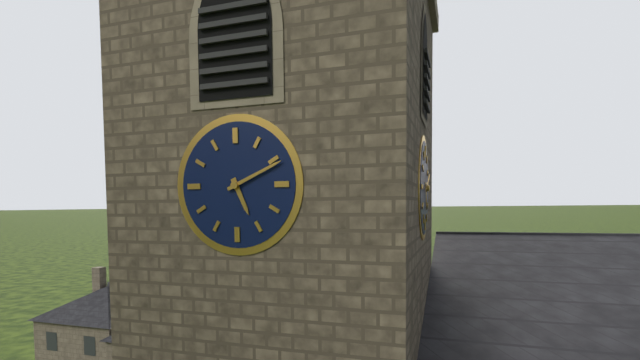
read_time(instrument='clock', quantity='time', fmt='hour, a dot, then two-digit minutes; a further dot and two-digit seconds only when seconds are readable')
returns 5.11
